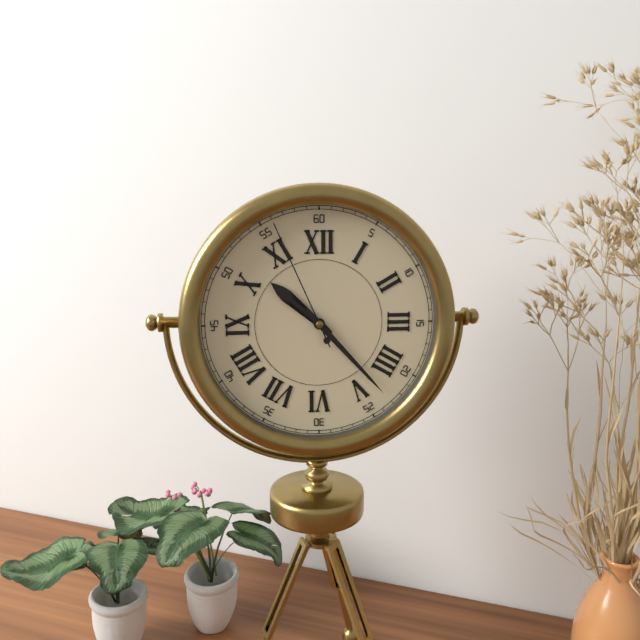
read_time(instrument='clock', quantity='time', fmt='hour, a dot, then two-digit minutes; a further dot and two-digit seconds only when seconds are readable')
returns 10.23.56
